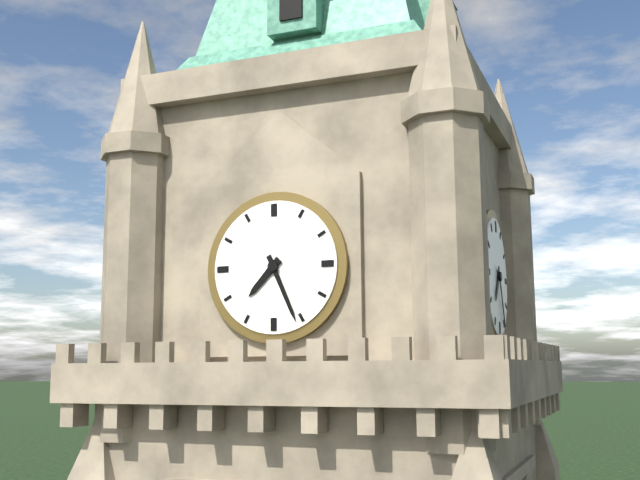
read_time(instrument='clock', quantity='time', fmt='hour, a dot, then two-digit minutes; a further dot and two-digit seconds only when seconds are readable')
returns 7.26
